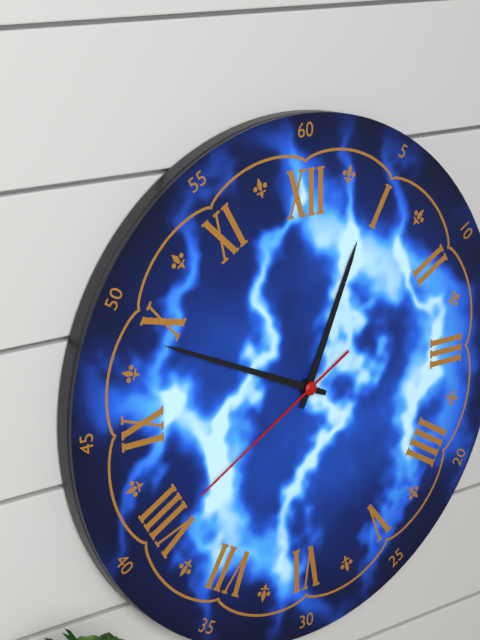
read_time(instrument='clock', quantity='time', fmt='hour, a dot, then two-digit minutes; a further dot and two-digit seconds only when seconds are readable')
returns 12.49.40
